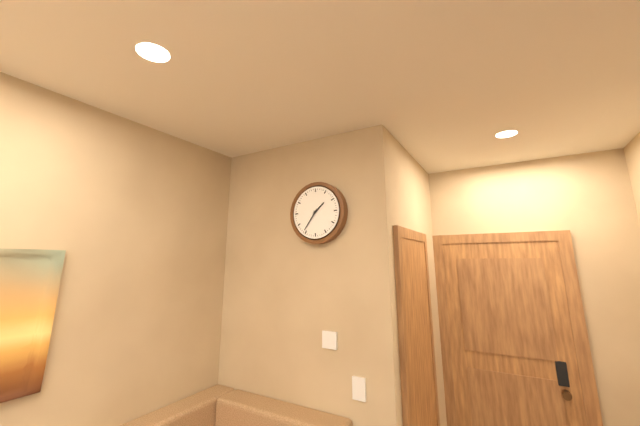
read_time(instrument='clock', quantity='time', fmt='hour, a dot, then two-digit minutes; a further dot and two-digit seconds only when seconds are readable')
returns 1.36
